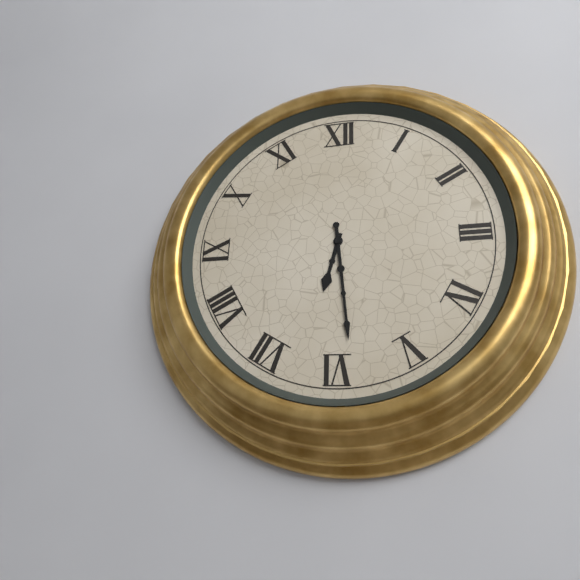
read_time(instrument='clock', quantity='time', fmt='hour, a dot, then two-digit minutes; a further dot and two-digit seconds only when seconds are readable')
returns 6.29
